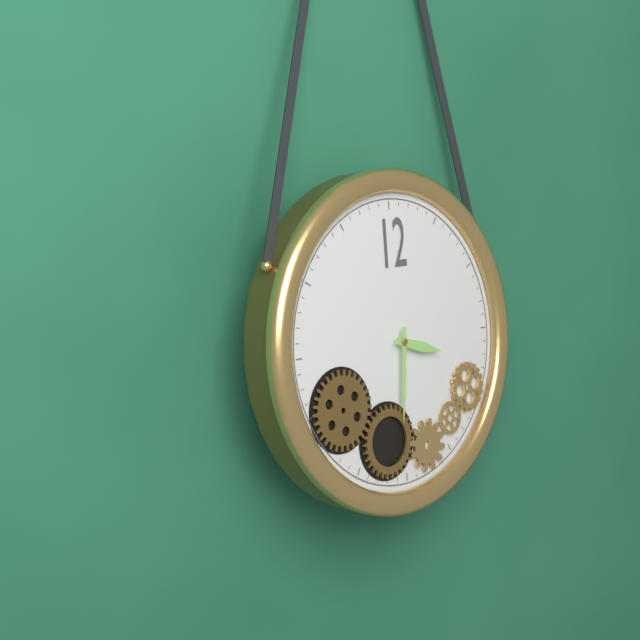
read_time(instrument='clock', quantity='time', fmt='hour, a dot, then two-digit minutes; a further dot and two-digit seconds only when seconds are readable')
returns 3.31
